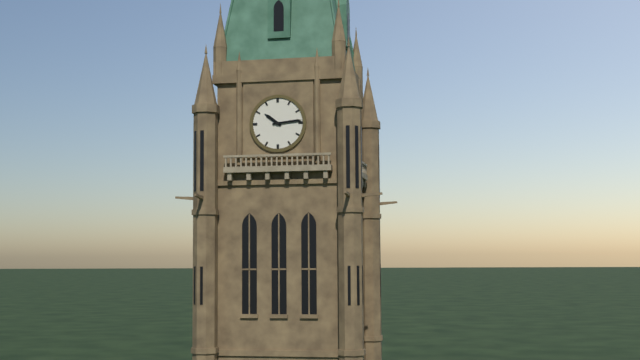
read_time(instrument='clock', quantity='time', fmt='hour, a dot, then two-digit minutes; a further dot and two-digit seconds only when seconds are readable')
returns 10.14
